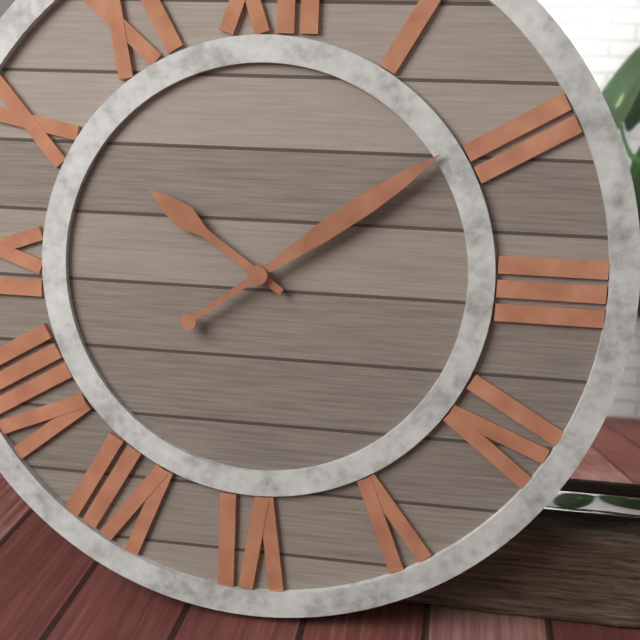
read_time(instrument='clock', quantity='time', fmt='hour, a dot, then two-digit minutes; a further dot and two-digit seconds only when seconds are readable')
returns 10.09
